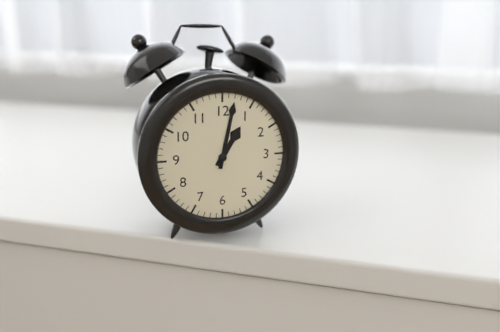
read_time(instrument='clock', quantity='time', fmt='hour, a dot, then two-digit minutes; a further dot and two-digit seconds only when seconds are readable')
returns 1.02
